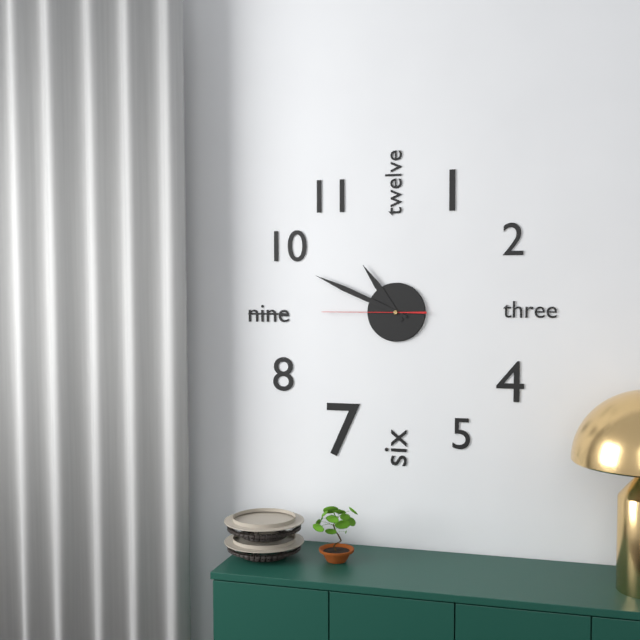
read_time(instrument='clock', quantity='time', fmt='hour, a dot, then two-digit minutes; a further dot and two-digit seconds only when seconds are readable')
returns 10.49.45
